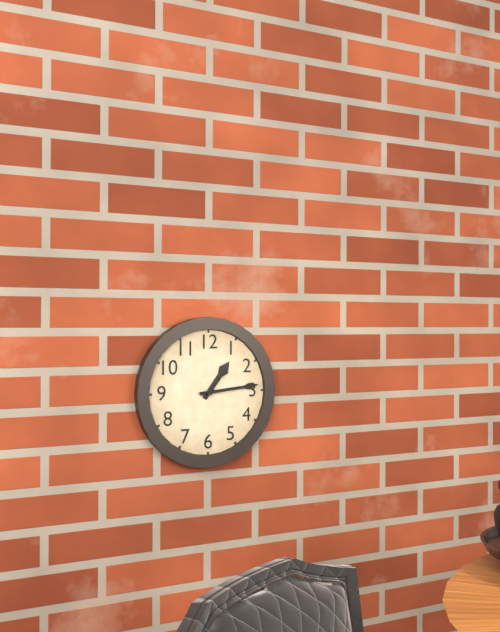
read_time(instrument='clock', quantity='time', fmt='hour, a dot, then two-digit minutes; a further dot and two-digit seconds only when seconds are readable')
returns 1.14
